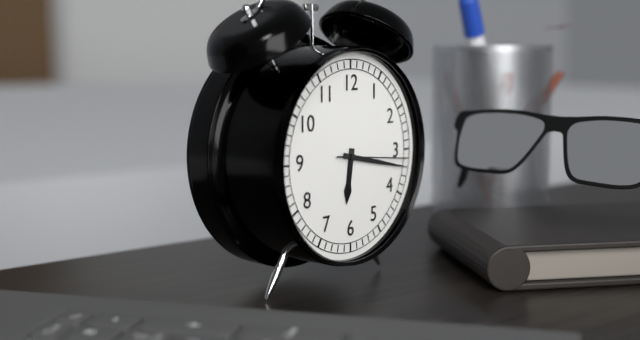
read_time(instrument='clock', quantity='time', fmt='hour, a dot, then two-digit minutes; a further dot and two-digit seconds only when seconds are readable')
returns 6.17.16
